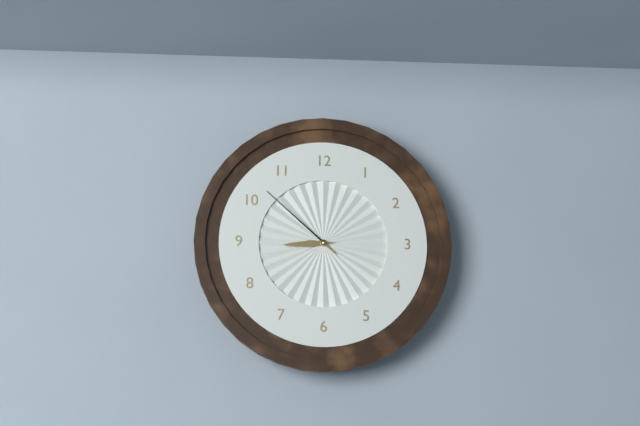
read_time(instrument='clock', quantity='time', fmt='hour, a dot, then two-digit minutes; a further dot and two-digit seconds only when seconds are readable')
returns 8.52
